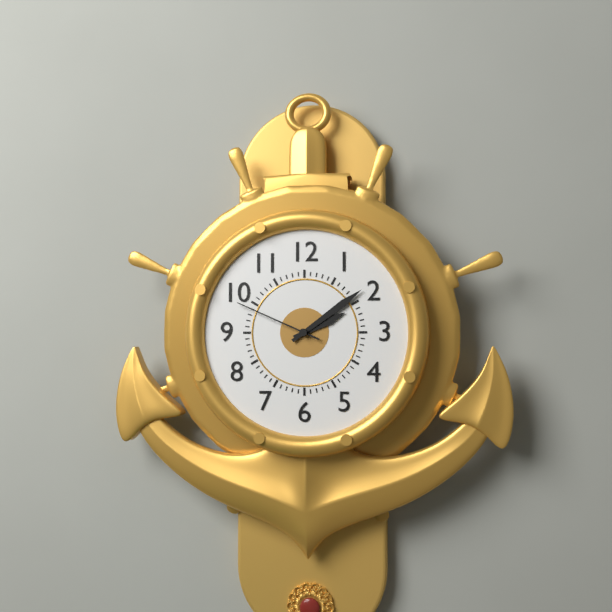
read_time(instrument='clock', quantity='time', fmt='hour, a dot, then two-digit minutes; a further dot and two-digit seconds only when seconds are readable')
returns 2.09.49
